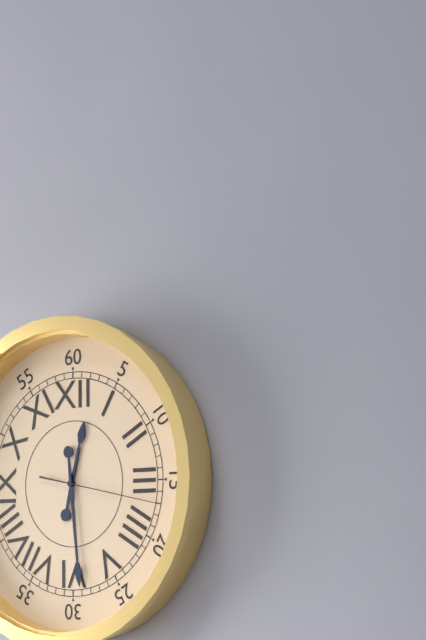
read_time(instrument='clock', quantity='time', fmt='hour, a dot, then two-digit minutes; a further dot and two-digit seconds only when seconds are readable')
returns 12.29.17
